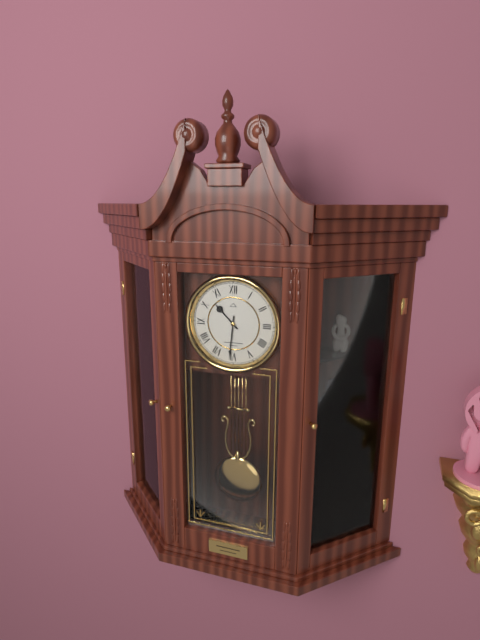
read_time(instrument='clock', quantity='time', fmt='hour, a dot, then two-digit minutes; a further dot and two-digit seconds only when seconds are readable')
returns 10.31
